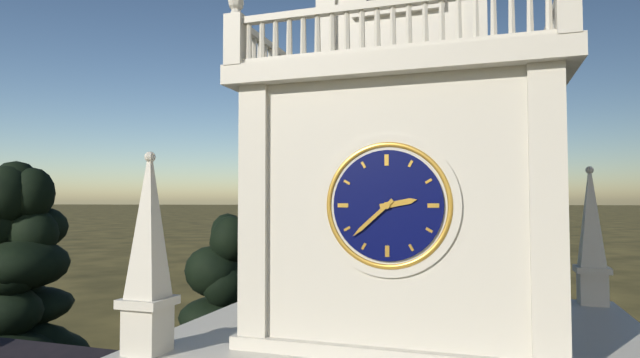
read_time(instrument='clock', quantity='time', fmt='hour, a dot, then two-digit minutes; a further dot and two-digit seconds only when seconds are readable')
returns 2.38
